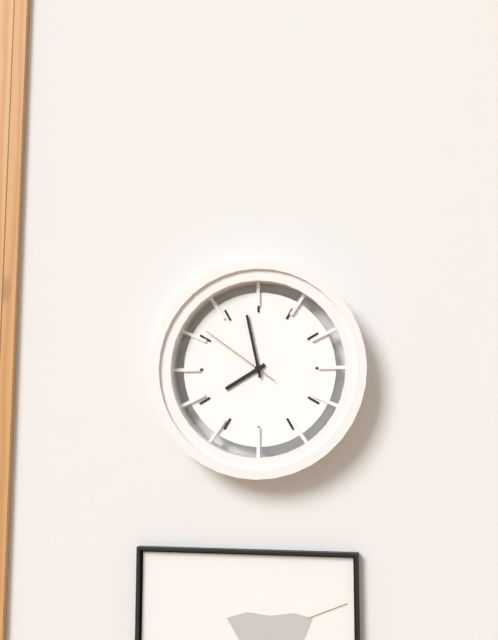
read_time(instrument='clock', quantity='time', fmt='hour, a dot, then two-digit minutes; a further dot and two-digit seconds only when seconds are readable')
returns 7.58.51
